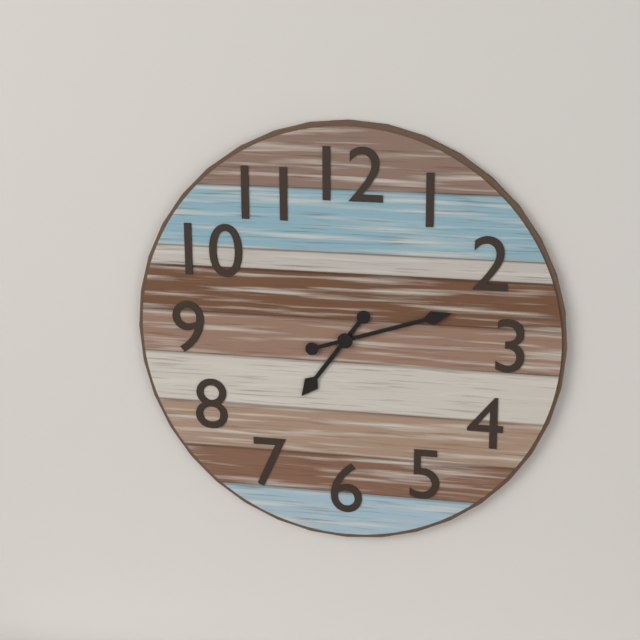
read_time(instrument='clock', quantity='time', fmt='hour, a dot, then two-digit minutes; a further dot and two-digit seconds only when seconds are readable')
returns 7.12
